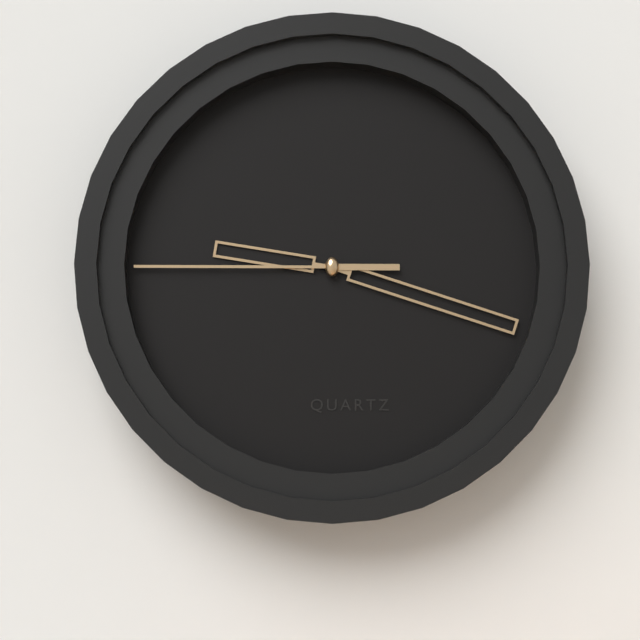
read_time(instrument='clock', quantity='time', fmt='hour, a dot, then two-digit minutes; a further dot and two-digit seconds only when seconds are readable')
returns 9.18.45
